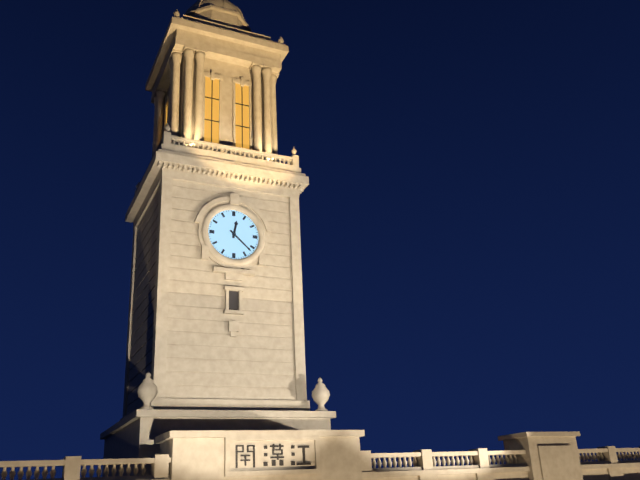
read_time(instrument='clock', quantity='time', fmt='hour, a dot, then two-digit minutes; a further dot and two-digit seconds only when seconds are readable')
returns 12.22
